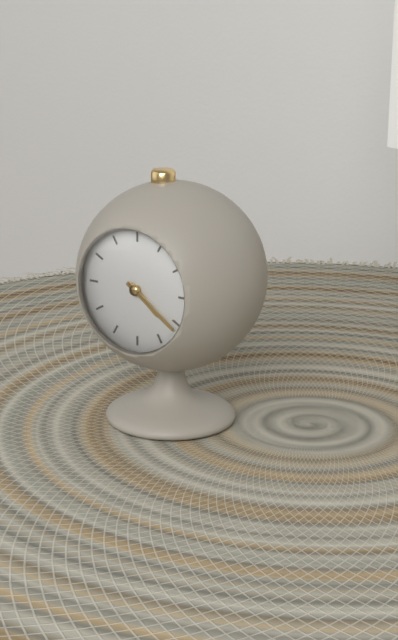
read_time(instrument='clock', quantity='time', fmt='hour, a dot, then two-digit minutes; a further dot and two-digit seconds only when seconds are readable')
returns 4.21
